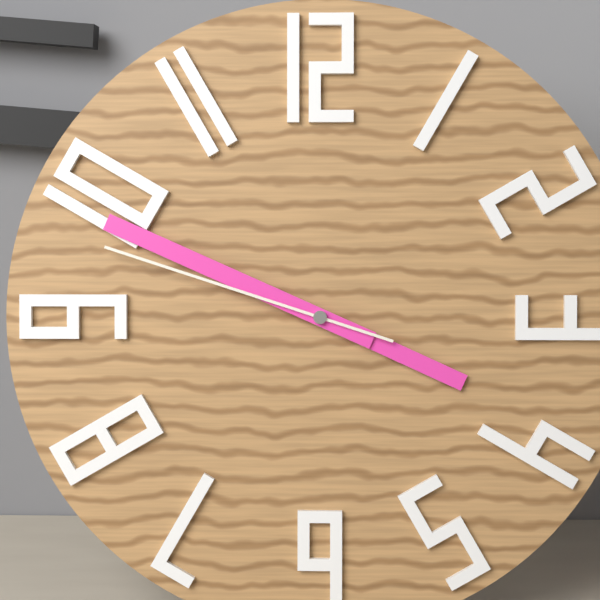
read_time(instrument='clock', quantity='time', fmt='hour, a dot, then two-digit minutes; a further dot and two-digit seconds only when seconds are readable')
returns 3.49.48
